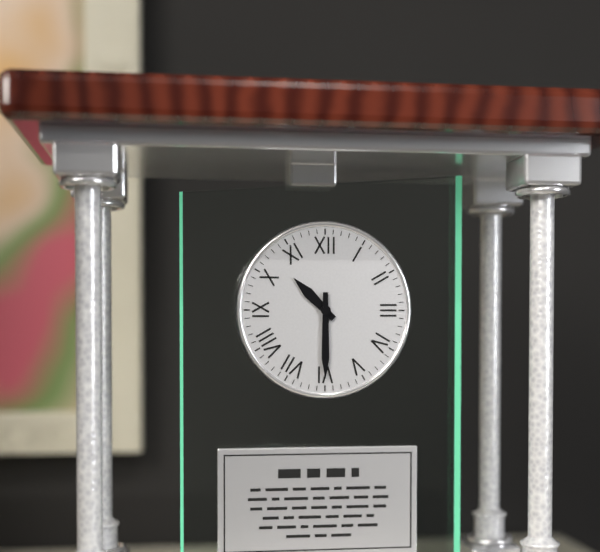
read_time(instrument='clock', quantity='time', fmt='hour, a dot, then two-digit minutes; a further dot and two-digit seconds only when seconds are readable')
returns 10.30
